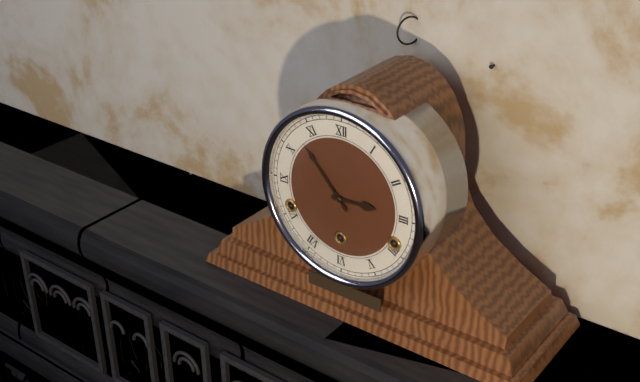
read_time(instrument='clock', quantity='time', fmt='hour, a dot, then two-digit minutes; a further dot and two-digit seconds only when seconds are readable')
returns 2.53
